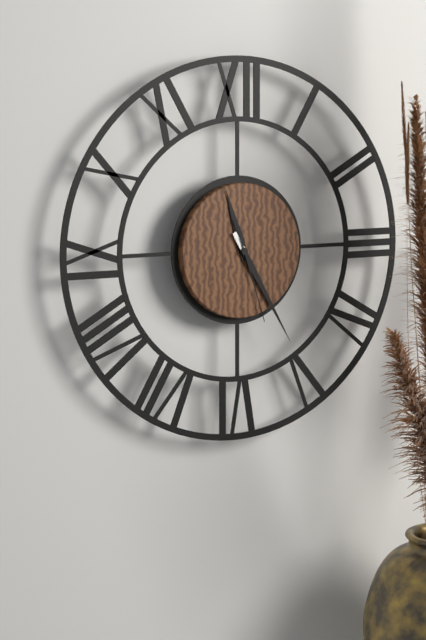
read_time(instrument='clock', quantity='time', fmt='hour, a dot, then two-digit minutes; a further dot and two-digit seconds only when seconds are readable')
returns 11.25.27
